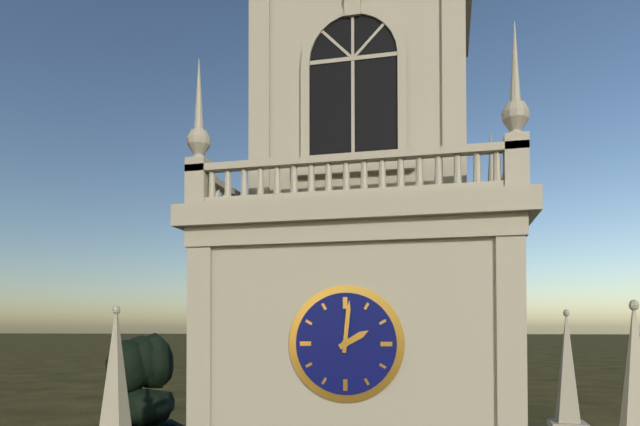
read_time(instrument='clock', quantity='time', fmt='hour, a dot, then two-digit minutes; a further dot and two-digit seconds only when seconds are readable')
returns 2.01
